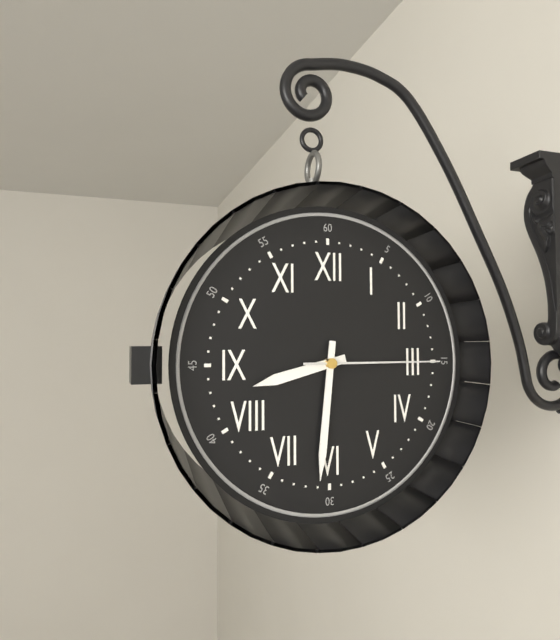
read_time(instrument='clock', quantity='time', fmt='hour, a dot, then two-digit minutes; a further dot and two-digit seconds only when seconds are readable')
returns 8.31.15
